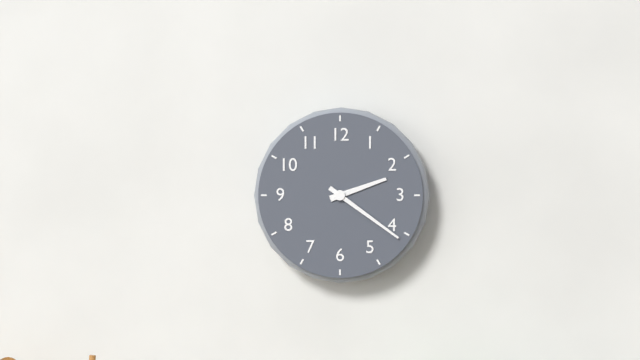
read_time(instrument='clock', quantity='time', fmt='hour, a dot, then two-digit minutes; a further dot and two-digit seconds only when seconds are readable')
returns 2.21
